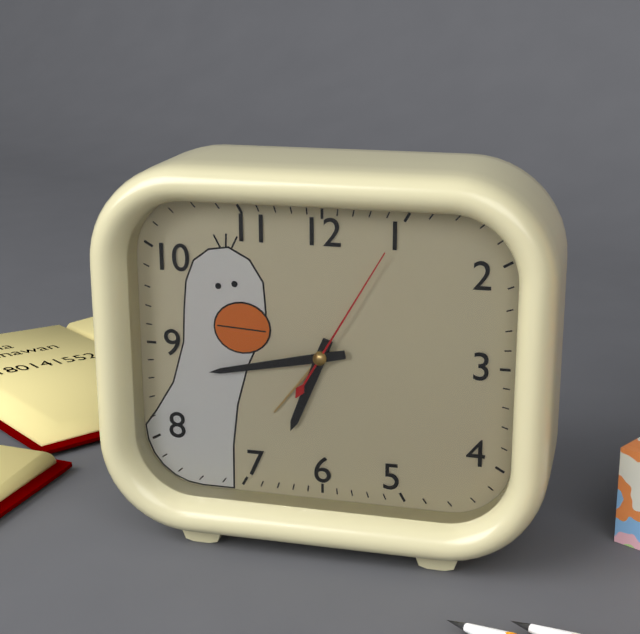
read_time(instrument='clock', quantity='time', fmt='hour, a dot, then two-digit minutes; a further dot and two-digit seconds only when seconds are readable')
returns 6.43.05
